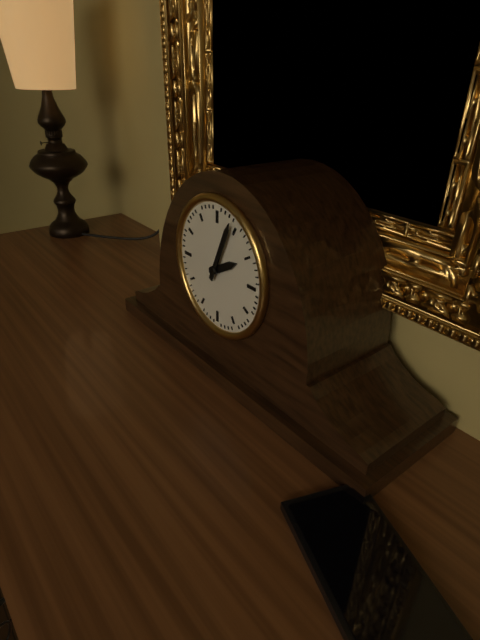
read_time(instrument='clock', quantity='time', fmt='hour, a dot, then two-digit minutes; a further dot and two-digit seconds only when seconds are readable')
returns 2.04
